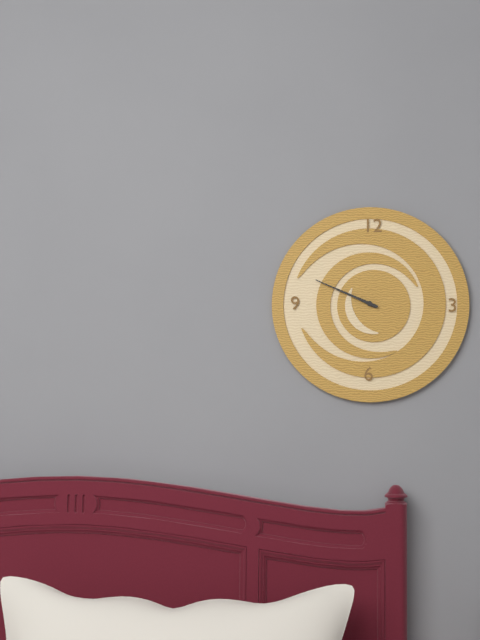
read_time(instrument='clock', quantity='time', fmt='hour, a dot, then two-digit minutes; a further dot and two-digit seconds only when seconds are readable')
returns 9.49
